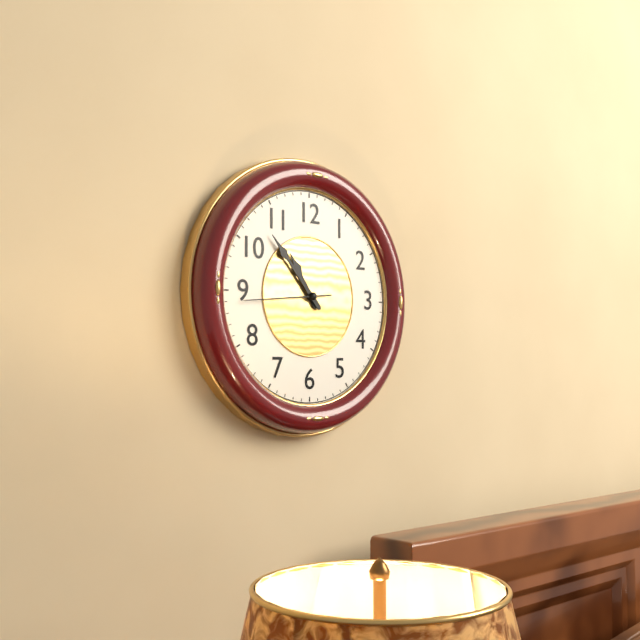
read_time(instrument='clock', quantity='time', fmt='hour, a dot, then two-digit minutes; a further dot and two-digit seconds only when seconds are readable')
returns 10.53.44
